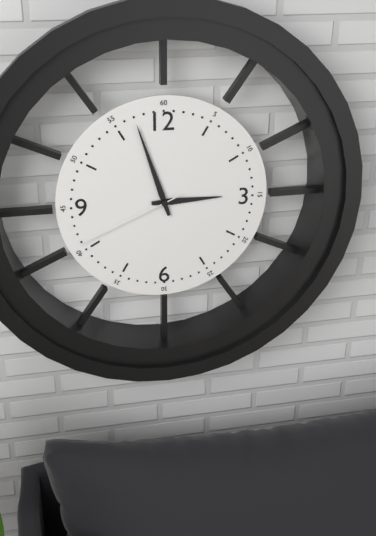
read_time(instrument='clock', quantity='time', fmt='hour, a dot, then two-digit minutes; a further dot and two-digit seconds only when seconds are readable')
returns 2.57.41
